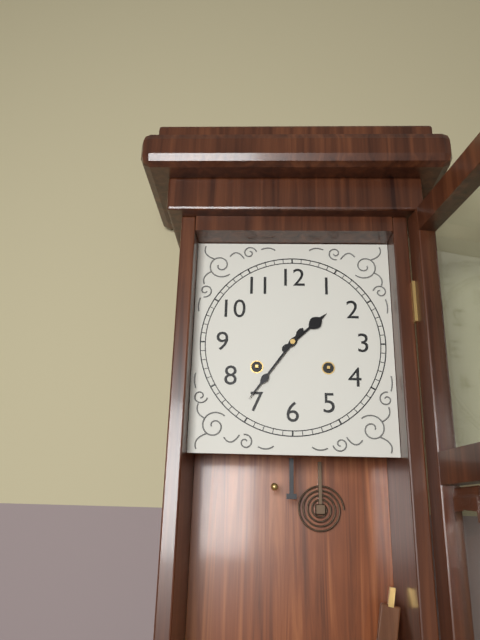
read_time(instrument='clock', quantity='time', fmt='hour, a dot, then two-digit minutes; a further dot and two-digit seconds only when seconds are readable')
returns 1.36
